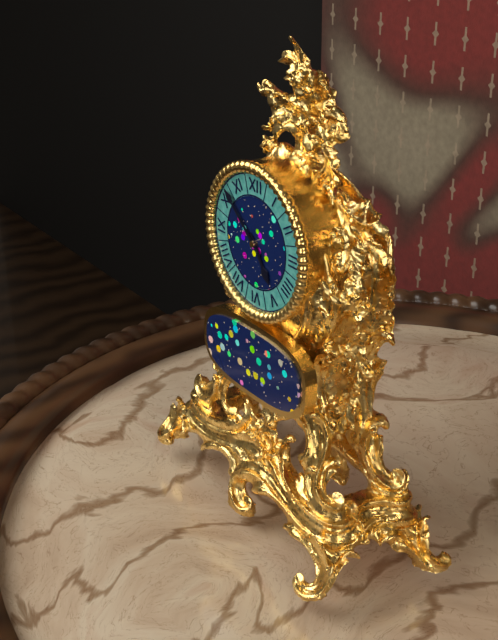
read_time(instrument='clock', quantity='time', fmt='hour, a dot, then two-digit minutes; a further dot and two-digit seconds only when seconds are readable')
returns 4.52
